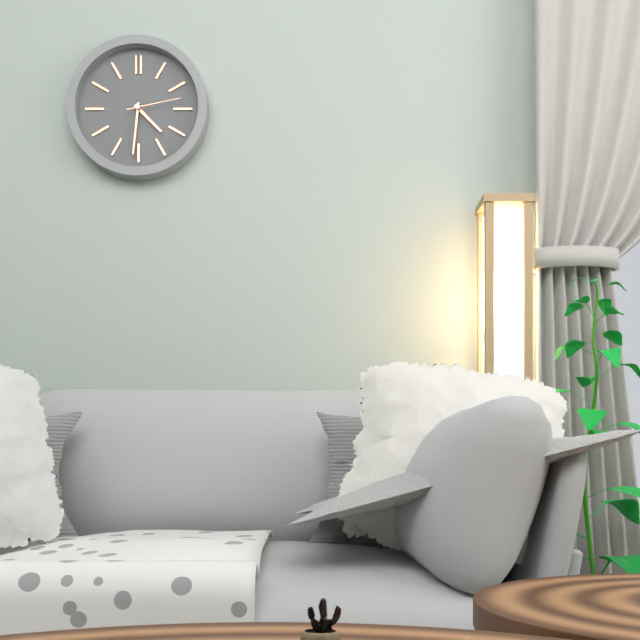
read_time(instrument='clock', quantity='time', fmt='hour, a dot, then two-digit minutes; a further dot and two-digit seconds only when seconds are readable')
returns 4.31.13
